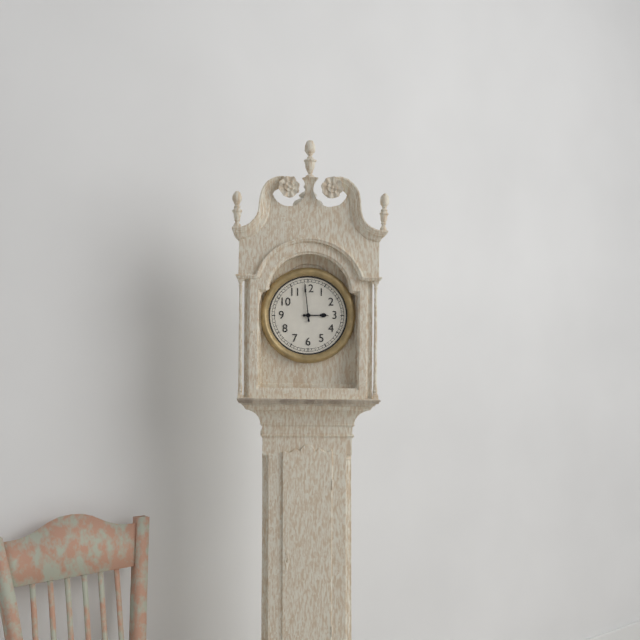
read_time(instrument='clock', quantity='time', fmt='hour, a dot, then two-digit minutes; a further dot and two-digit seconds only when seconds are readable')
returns 2.59
